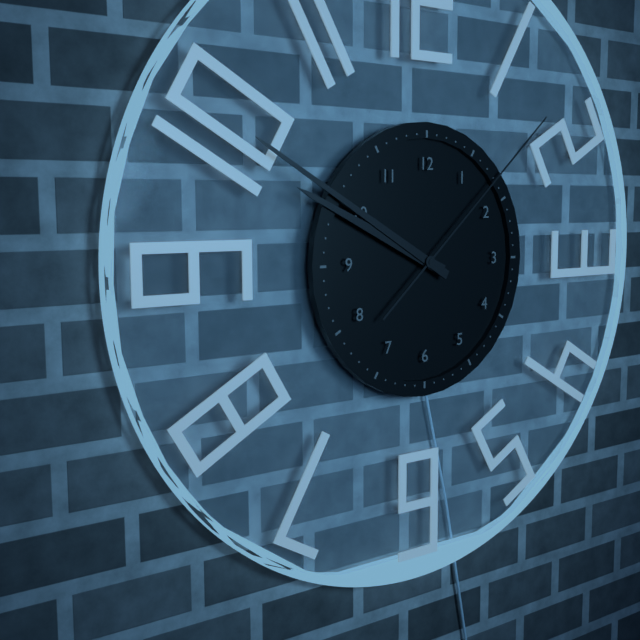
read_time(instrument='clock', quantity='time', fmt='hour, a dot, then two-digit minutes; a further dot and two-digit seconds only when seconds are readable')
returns 9.50.08
